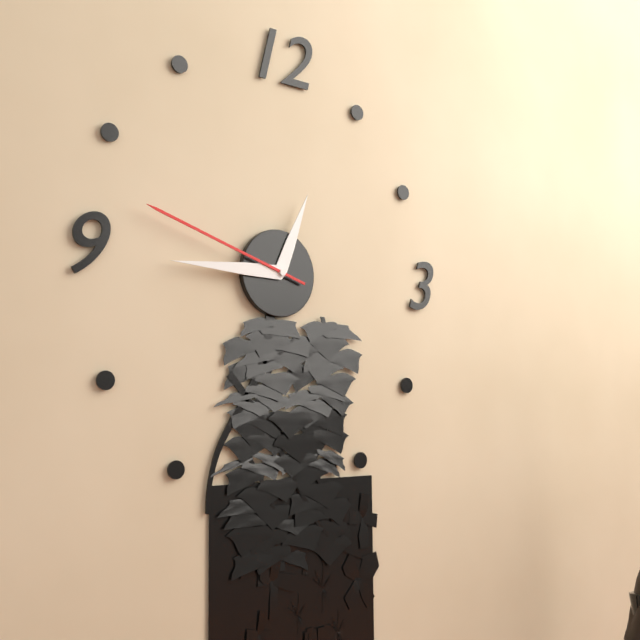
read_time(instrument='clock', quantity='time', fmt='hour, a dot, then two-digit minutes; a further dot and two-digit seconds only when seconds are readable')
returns 12.45.48
